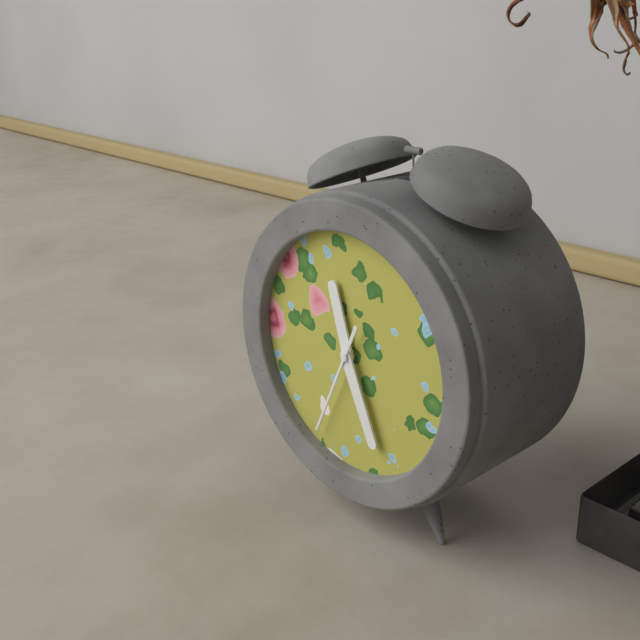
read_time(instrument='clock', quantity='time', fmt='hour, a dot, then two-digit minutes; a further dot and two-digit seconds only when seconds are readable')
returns 11.26.34
